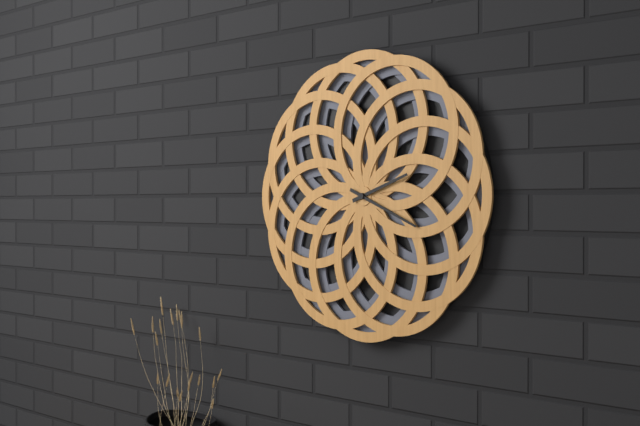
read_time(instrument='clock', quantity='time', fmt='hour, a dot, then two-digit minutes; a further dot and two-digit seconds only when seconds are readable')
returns 2.19
